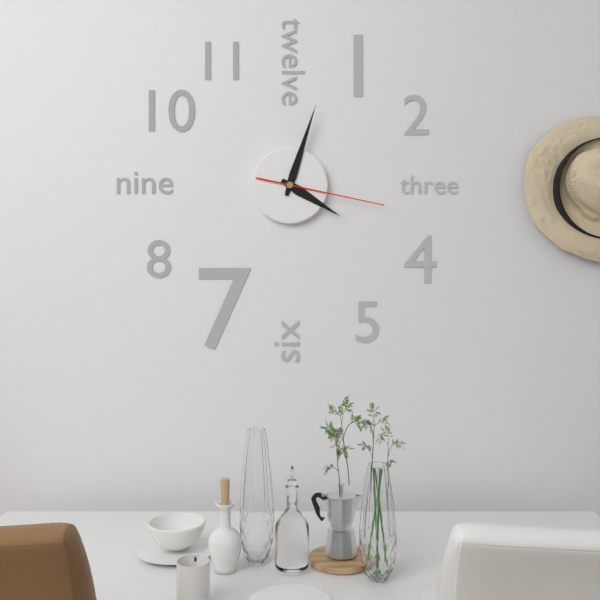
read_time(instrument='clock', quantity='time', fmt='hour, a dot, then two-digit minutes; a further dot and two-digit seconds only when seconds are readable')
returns 4.03.17
